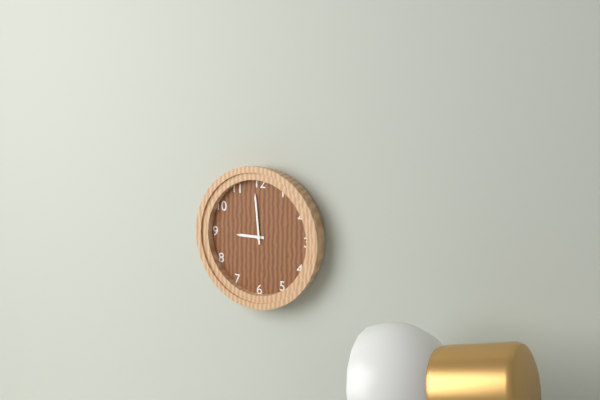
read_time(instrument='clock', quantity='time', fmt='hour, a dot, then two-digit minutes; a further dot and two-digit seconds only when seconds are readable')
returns 8.59
